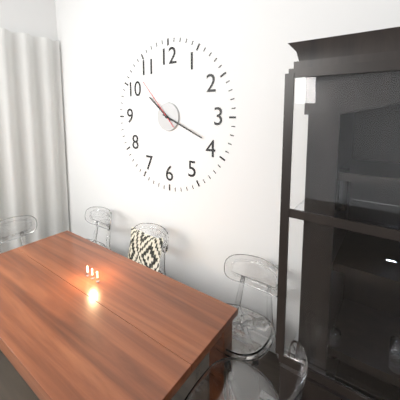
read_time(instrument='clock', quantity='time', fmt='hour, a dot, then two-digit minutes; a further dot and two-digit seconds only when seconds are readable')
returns 10.19.53
